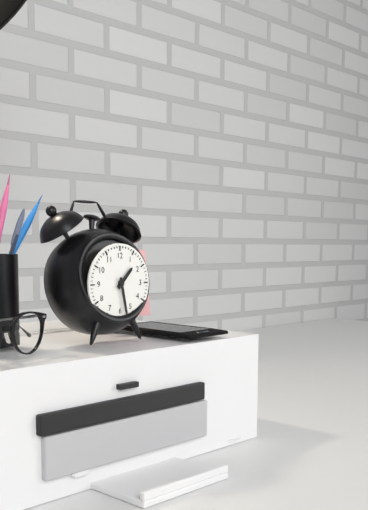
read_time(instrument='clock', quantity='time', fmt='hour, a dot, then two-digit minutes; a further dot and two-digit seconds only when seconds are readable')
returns 1.28
